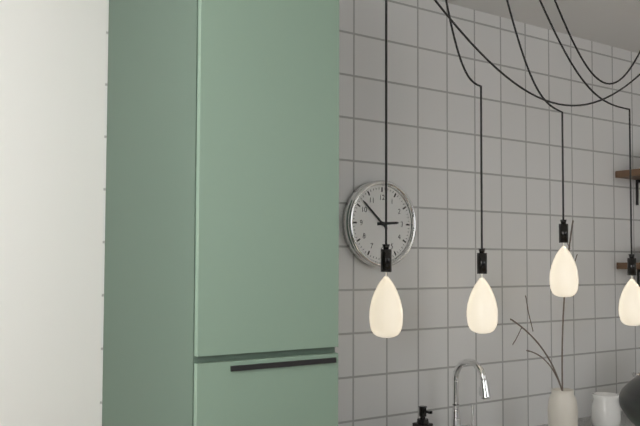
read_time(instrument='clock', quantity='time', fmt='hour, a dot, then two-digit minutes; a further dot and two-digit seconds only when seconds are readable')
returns 2.52
